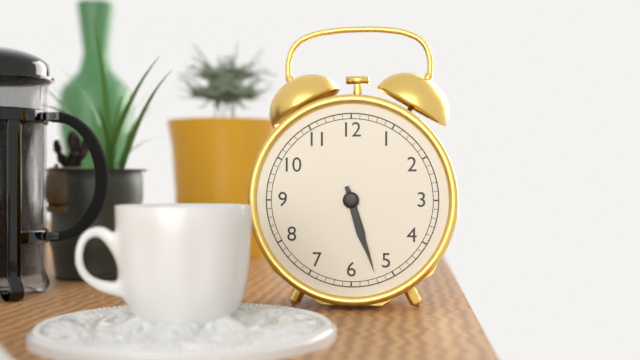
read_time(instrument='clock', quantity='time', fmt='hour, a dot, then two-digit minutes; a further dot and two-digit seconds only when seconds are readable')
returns 5.27
